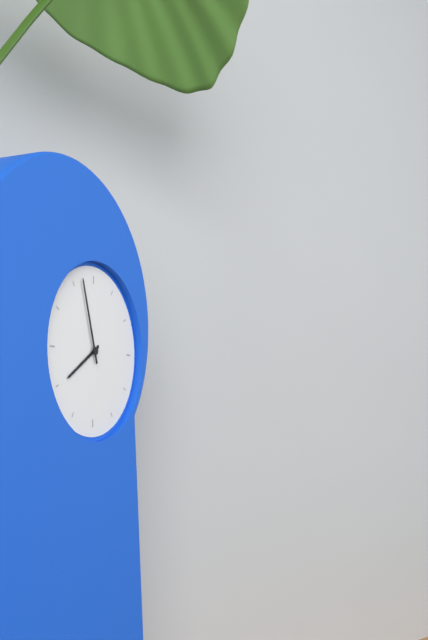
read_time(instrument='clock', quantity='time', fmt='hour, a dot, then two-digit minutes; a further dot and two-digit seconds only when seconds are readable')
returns 7.57
